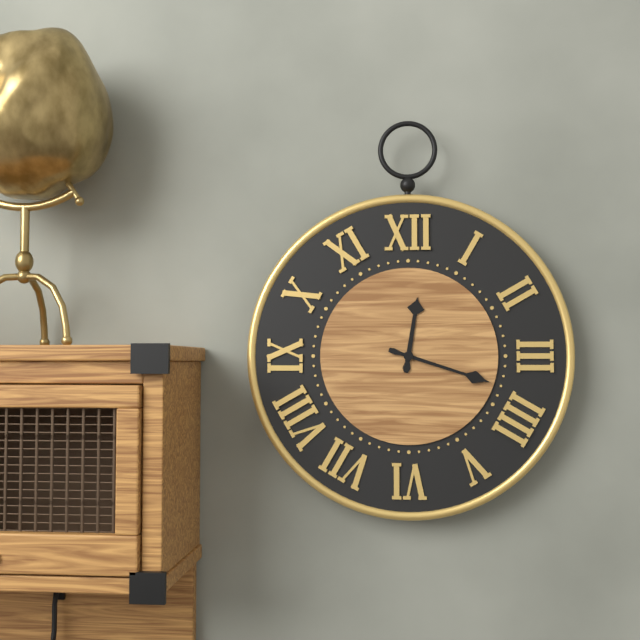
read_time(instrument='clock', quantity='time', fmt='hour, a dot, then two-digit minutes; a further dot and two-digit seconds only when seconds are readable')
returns 12.18
